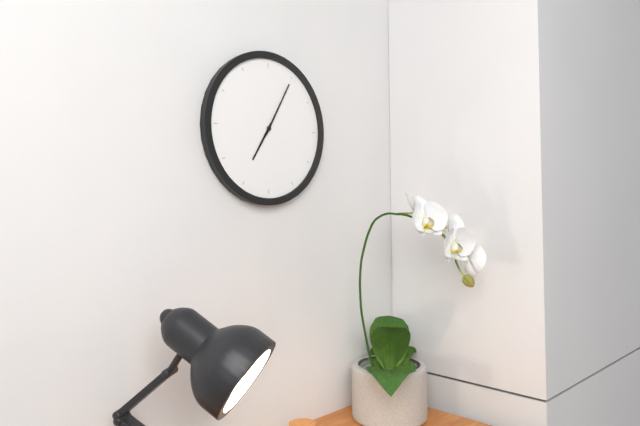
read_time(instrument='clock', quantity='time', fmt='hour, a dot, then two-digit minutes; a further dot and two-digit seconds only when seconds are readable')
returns 7.05
